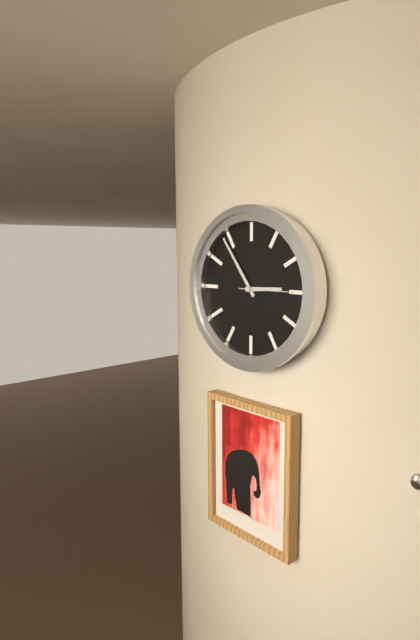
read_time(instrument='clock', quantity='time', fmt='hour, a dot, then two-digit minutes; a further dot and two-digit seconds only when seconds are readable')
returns 2.54.15
